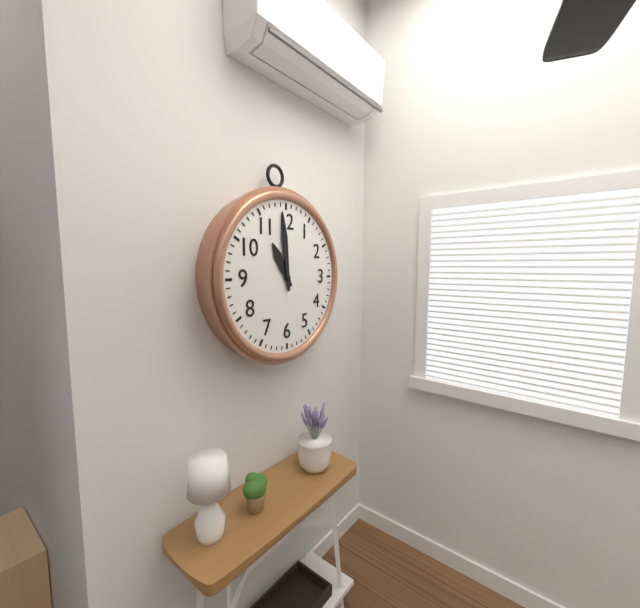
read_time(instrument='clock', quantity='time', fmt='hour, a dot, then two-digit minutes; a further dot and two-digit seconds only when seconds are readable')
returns 10.59
